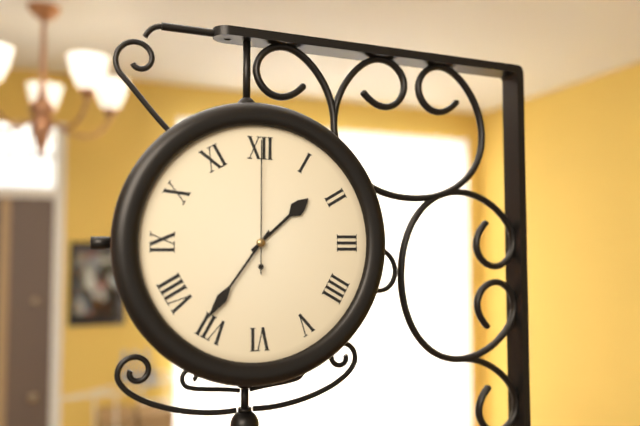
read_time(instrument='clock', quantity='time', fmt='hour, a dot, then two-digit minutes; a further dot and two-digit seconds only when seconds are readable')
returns 1.36.00
